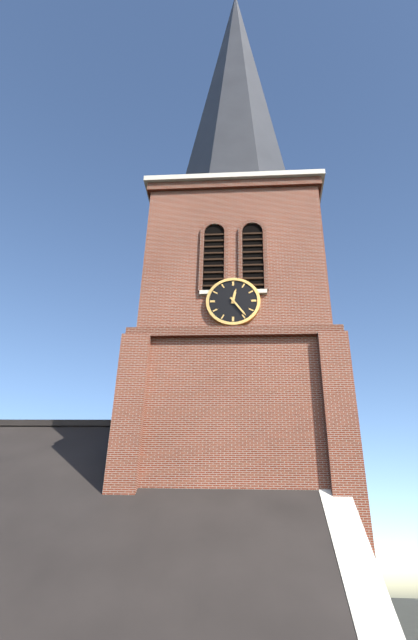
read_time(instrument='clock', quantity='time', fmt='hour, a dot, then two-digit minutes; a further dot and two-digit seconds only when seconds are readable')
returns 12.24
